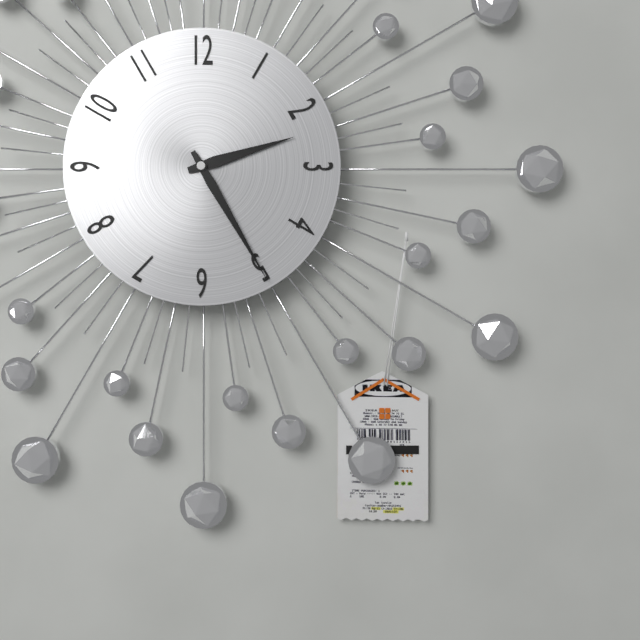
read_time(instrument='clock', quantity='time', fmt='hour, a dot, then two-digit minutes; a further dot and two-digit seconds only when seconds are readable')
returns 2.25
